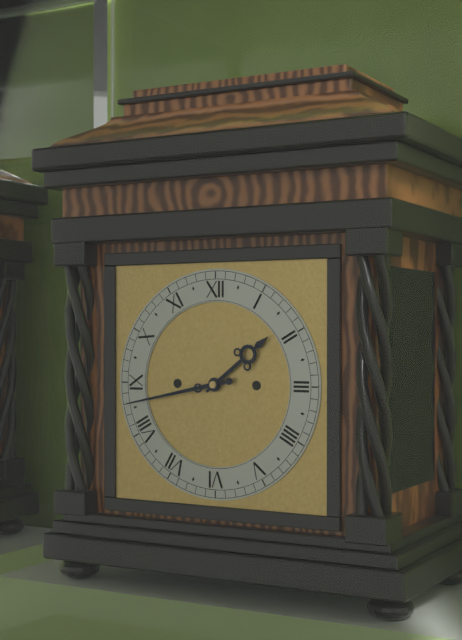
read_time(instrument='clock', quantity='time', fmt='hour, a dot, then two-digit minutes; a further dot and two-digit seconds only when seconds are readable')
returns 1.43
